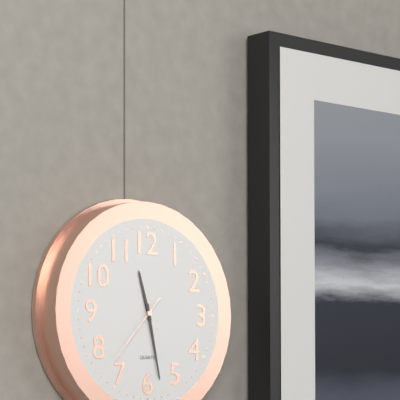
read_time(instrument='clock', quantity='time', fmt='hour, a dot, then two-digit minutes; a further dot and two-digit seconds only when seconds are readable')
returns 11.28.37
